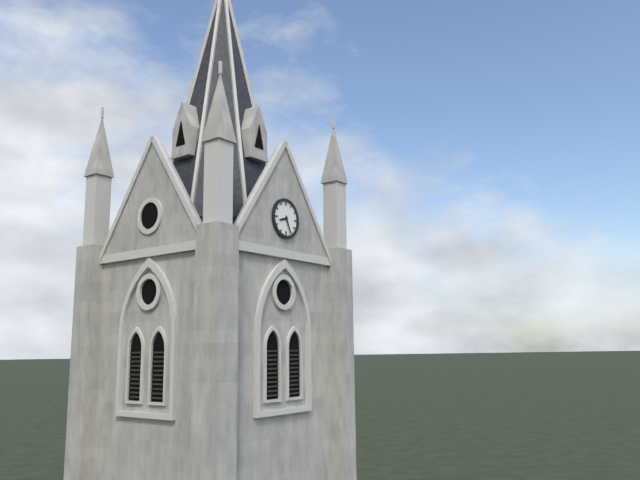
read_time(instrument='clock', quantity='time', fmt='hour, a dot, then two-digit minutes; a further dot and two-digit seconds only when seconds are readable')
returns 8.26
